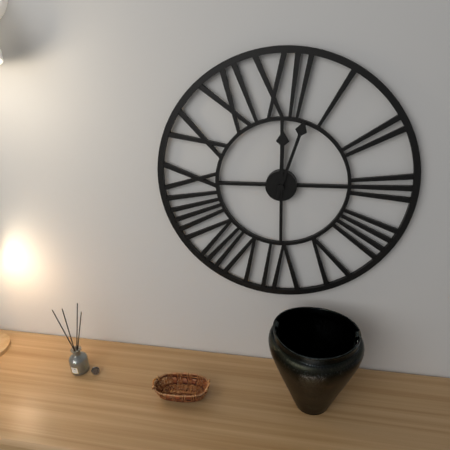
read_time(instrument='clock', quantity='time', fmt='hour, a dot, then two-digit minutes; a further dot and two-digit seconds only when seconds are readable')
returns 12.03
